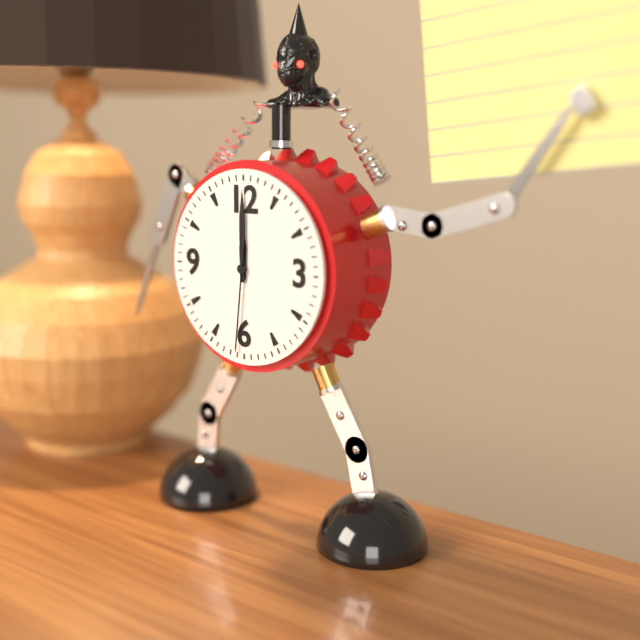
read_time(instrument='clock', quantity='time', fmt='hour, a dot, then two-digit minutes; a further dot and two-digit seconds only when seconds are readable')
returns 12.00.31
